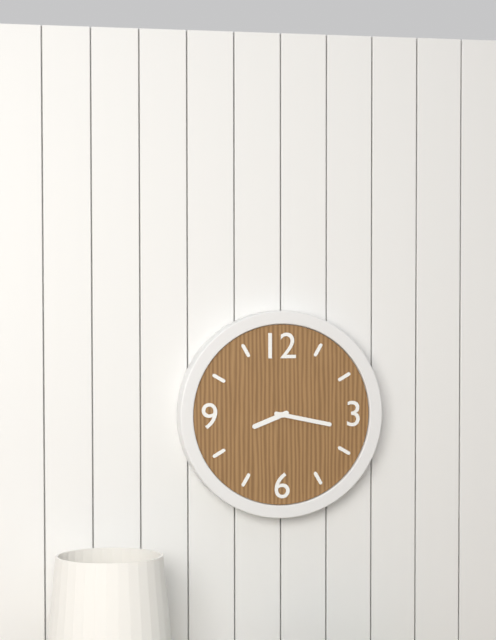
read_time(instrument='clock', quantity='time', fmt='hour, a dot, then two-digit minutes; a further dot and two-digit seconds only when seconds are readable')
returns 8.17
